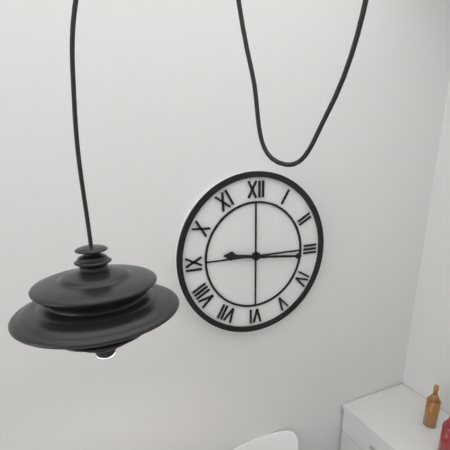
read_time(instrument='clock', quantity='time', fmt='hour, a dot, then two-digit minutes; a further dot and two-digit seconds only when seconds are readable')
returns 9.16
